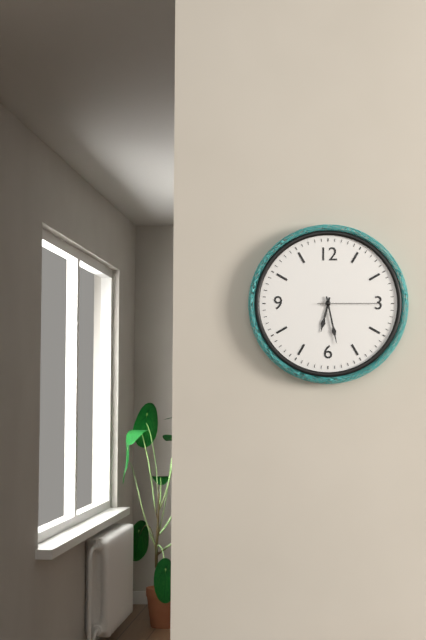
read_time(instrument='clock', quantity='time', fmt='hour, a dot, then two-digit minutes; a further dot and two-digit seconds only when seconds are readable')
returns 6.28.15
